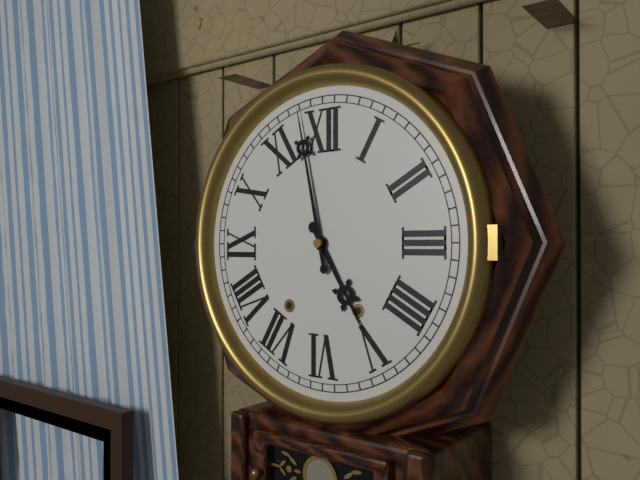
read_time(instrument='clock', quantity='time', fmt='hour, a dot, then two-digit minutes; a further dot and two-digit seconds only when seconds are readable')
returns 4.58
